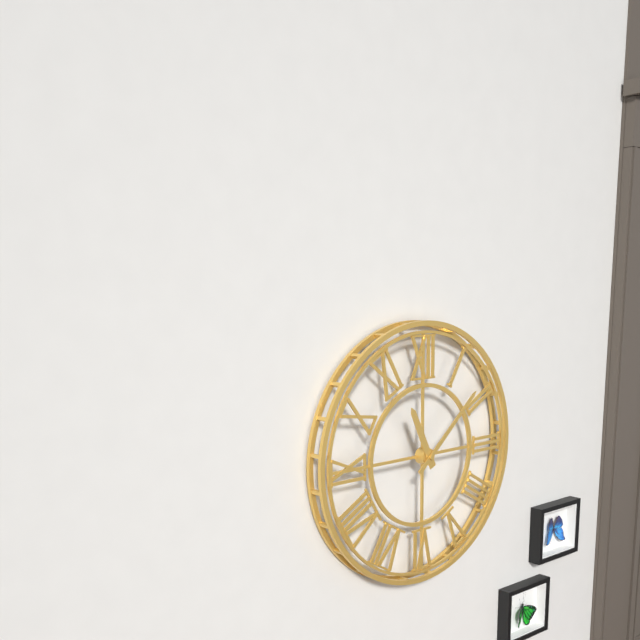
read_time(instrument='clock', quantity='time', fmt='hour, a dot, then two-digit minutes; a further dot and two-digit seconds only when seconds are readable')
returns 11.08
